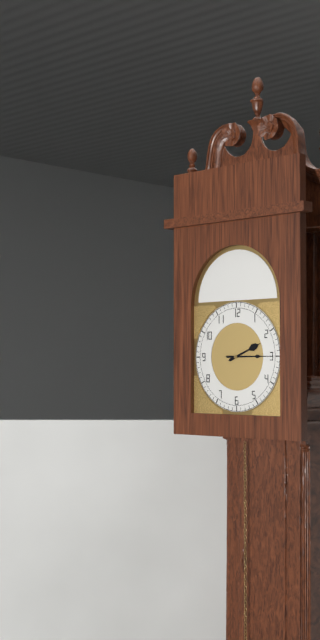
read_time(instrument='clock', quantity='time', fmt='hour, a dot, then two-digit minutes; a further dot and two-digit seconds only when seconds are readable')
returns 2.15
